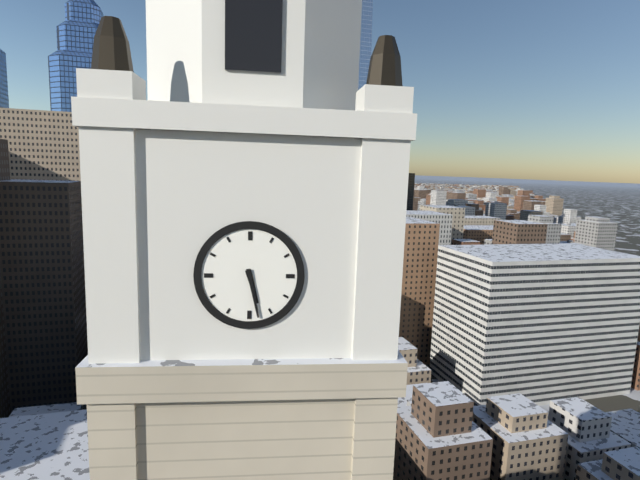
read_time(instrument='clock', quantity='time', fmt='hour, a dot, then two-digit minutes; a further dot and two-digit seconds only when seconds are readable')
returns 5.28
